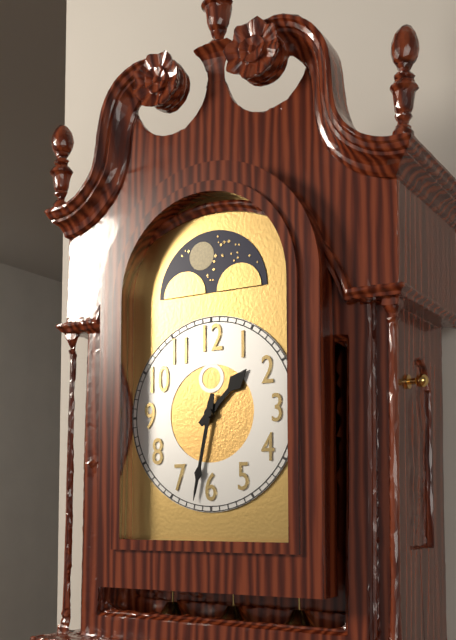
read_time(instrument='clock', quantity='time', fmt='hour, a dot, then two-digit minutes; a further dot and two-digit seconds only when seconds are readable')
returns 1.32
